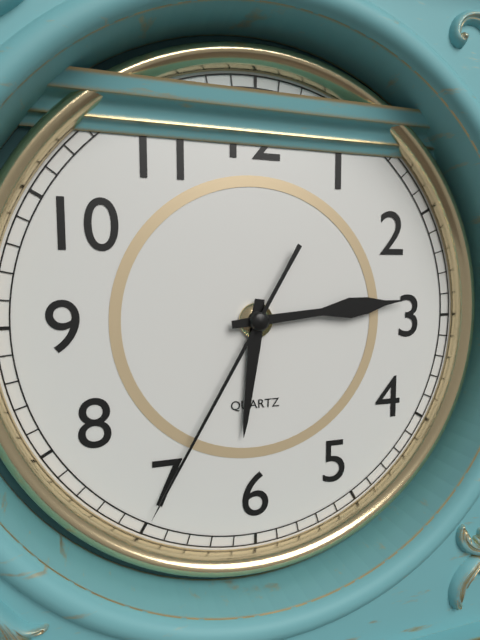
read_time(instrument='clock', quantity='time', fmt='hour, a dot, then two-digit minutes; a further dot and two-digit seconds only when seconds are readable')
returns 6.14.35
